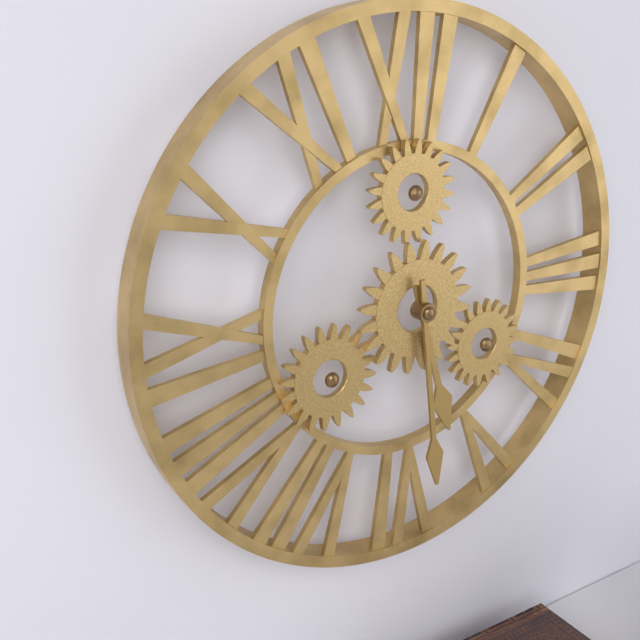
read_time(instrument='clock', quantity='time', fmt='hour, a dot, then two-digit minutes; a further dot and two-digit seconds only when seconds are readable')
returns 5.29
